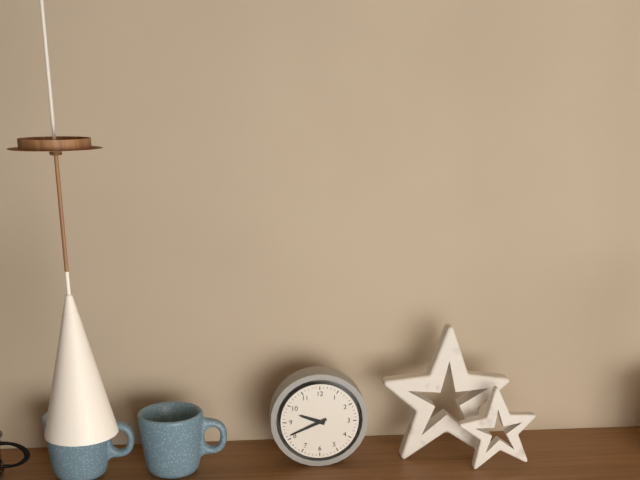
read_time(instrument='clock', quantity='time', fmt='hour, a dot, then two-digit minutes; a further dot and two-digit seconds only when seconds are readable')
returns 9.41
